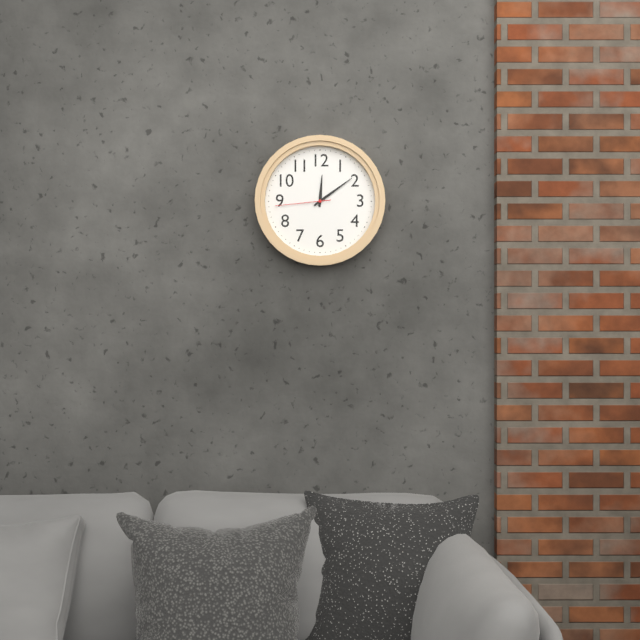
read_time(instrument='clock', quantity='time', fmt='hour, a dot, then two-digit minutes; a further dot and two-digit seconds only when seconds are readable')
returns 12.09.44
